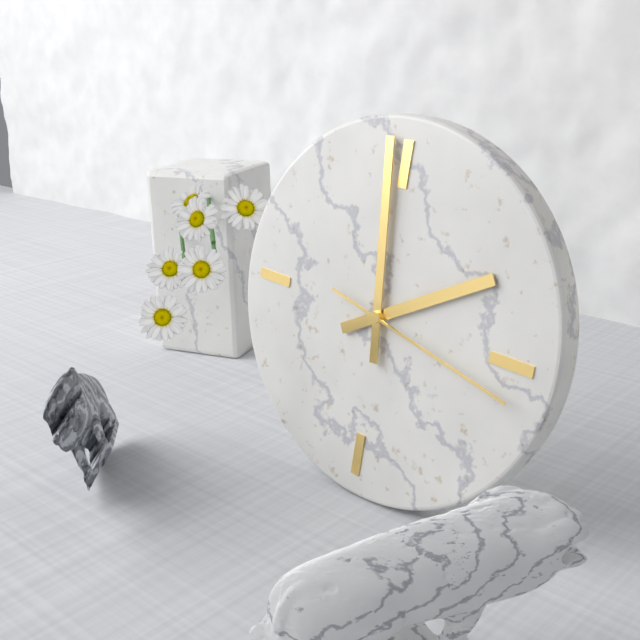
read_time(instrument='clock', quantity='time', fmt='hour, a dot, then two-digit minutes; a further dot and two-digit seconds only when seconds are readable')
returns 1.59.17
